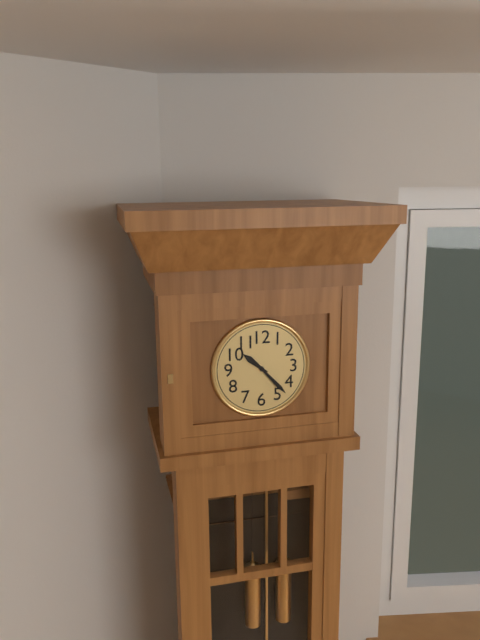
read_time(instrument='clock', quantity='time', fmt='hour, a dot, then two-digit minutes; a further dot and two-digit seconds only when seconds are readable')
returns 10.23
